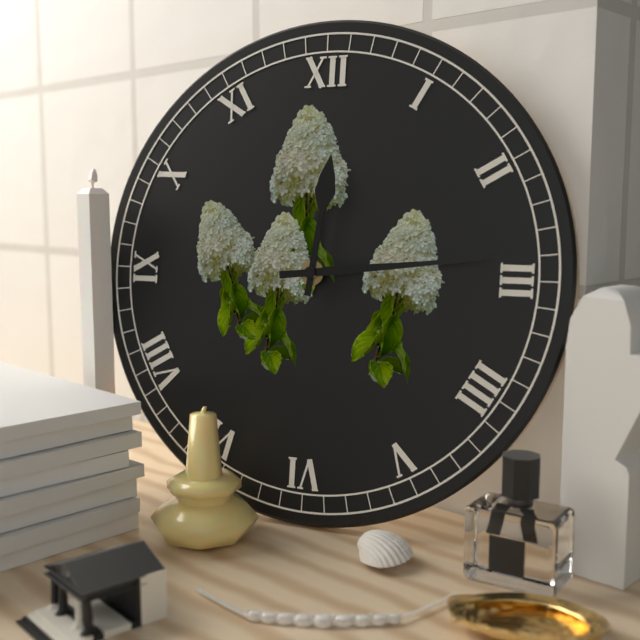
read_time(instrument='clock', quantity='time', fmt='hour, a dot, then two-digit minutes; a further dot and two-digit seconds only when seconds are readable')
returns 12.14
